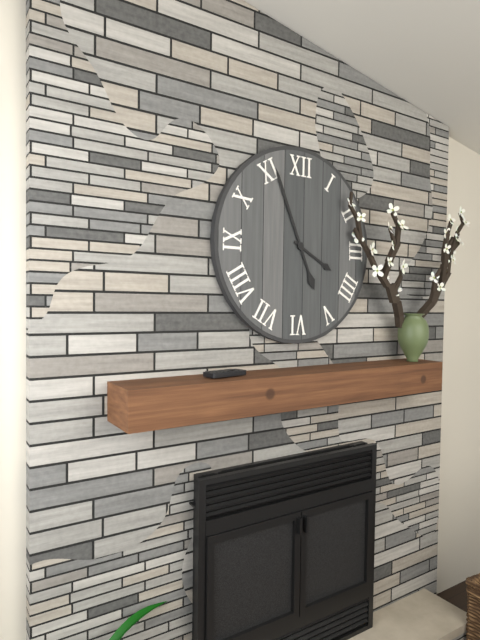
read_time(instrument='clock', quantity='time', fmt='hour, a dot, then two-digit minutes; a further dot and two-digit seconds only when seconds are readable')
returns 3.56
